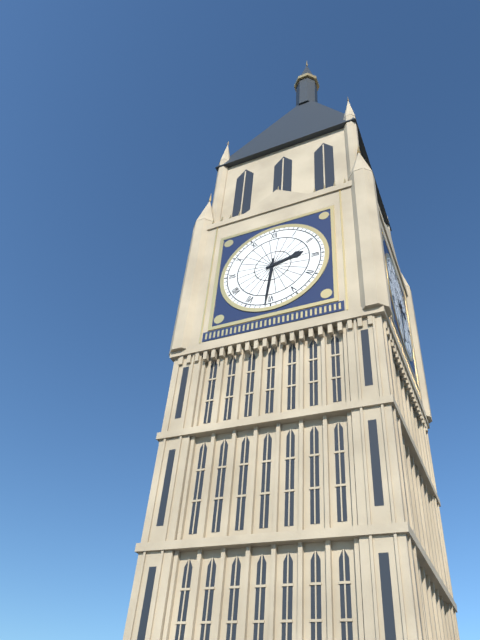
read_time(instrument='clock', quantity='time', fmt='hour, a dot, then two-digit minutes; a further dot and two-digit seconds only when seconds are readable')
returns 2.31
